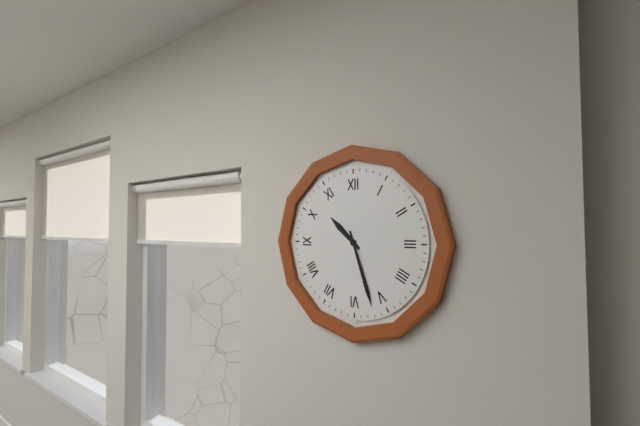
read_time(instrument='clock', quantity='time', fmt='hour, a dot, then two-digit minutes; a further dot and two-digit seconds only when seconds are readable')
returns 10.27
